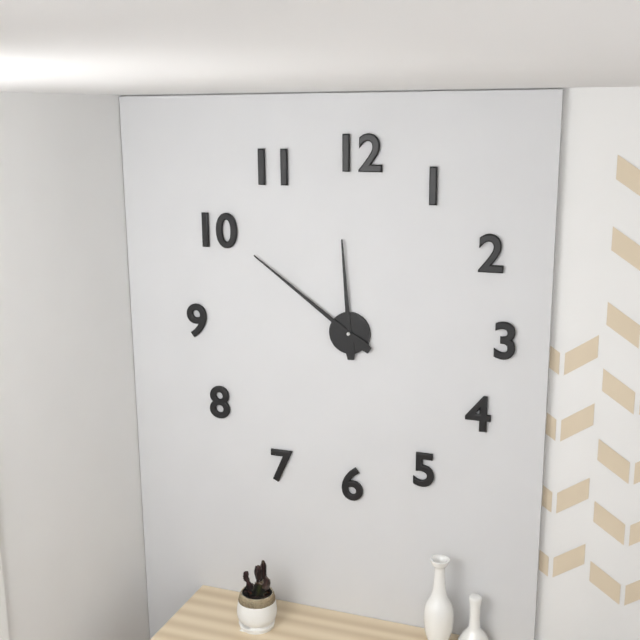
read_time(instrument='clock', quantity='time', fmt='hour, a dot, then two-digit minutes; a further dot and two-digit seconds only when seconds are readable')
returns 11.51
